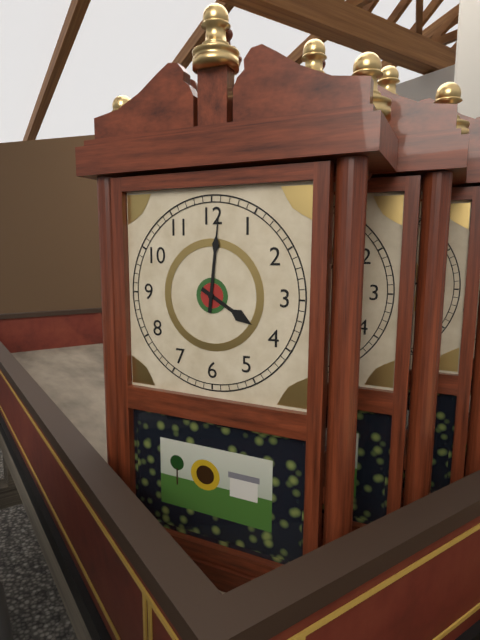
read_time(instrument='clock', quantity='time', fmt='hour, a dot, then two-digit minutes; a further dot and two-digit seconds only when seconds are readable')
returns 4.01
